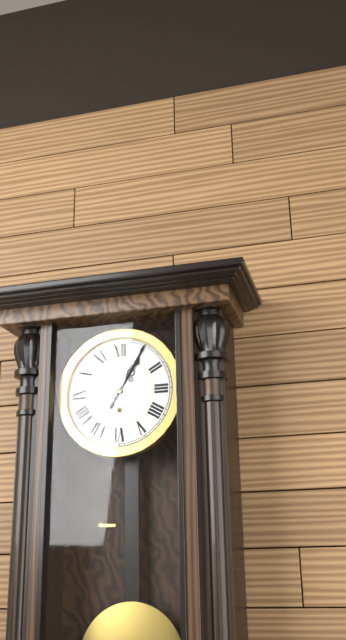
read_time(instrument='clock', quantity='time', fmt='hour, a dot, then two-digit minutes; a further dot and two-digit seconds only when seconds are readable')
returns 1.05
